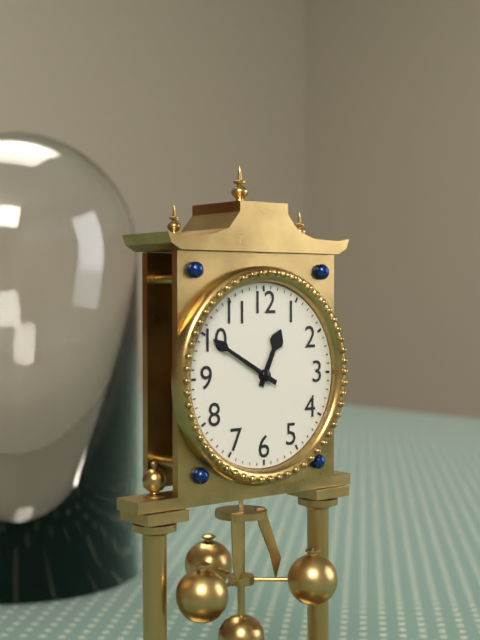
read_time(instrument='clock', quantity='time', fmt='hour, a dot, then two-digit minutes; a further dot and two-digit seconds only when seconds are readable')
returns 12.50
